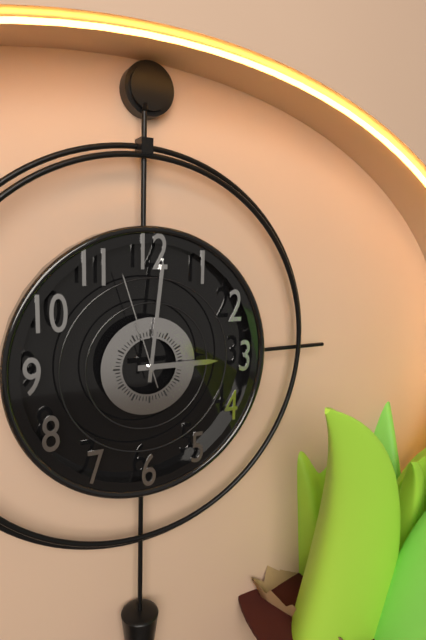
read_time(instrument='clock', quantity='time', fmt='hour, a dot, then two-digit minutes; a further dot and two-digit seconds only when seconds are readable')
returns 3.01.57
